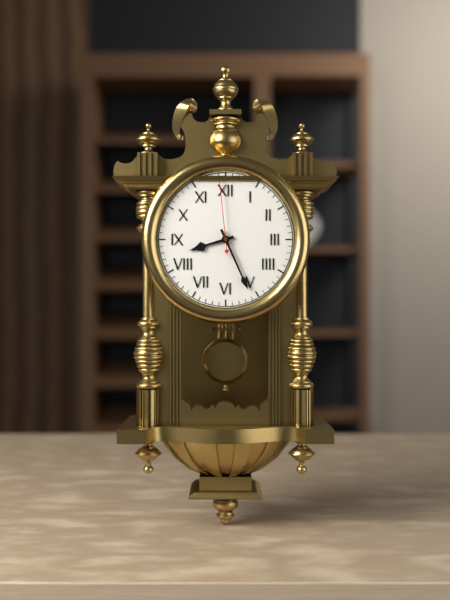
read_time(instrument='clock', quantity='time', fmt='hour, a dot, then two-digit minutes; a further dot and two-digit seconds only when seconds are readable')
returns 8.26.59
